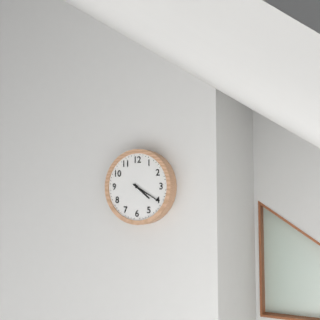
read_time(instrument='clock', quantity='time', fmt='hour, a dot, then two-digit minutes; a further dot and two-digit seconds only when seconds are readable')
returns 4.20
